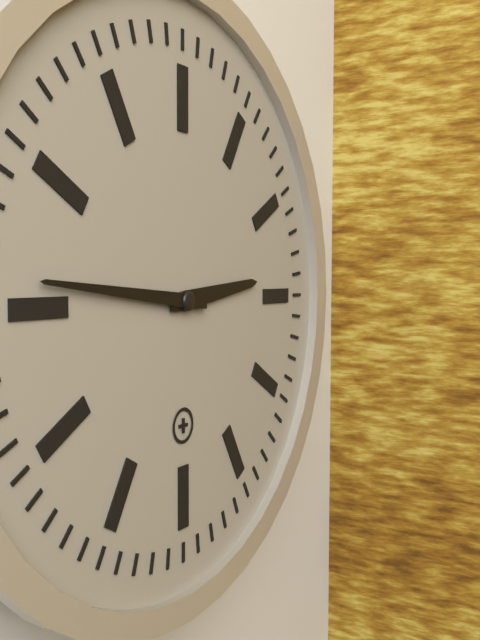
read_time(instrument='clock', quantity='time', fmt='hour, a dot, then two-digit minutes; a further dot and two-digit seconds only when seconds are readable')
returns 2.46
